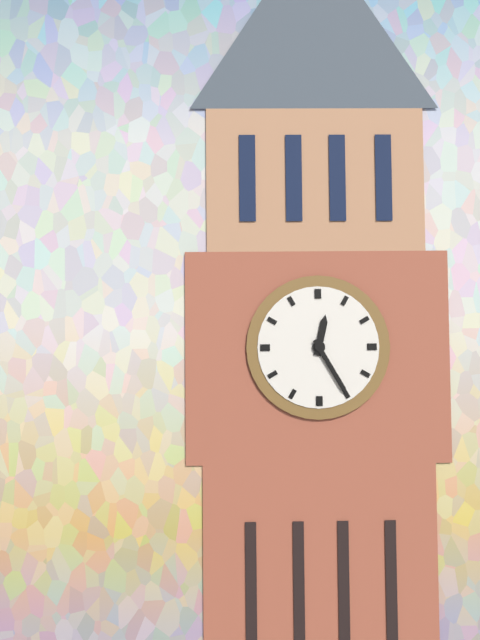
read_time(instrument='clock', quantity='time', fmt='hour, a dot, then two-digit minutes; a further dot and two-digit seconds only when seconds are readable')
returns 12.25
